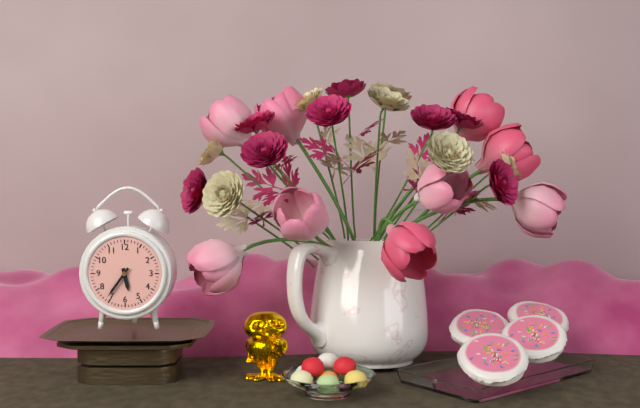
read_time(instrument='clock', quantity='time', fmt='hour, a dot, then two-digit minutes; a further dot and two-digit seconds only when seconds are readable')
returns 5.36
